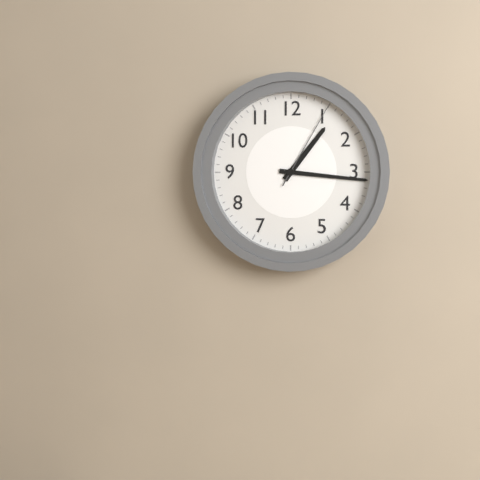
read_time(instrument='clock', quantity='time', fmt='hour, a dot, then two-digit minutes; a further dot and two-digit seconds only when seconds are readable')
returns 1.16.05
